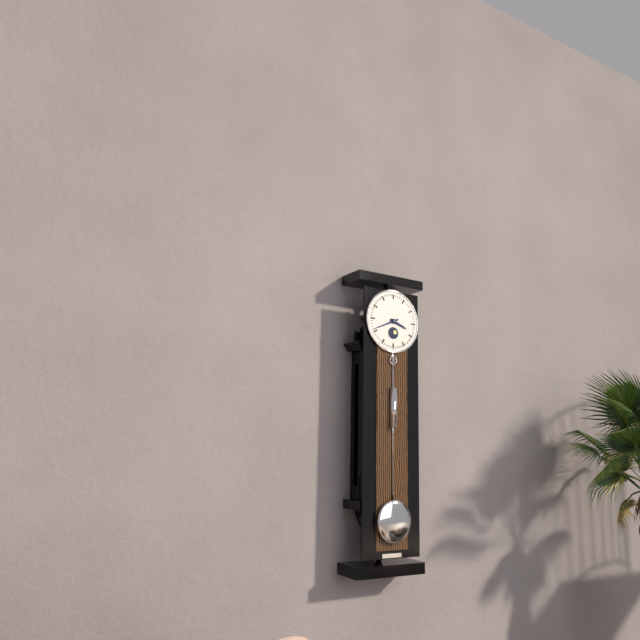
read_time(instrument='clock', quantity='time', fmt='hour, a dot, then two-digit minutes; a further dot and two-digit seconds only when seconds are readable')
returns 3.41
